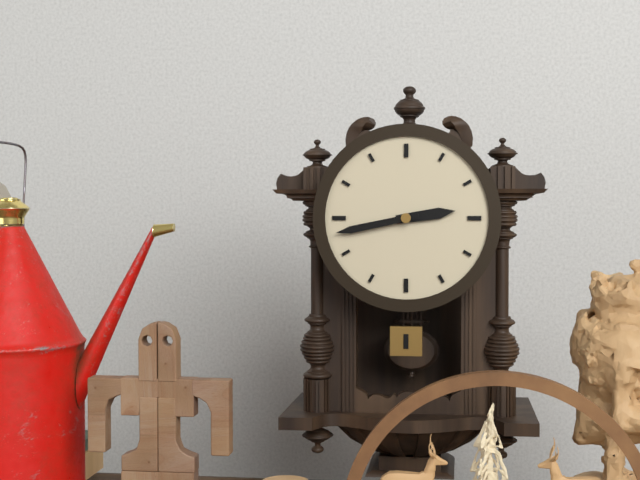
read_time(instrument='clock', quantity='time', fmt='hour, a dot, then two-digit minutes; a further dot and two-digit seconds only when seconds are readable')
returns 2.43
